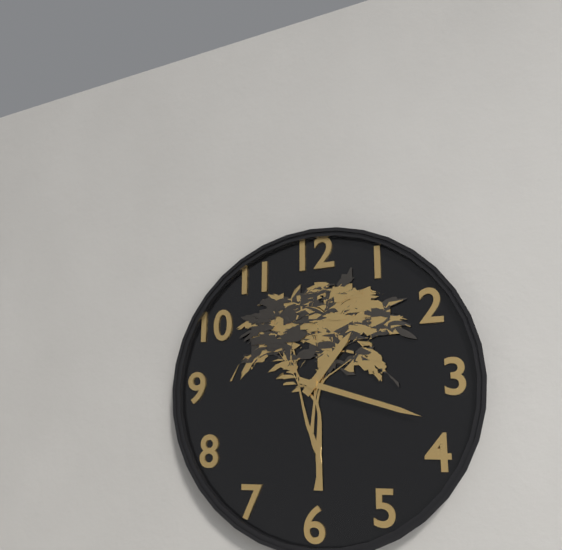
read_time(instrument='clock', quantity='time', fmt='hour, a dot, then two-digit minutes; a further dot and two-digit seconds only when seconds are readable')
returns 1.18
